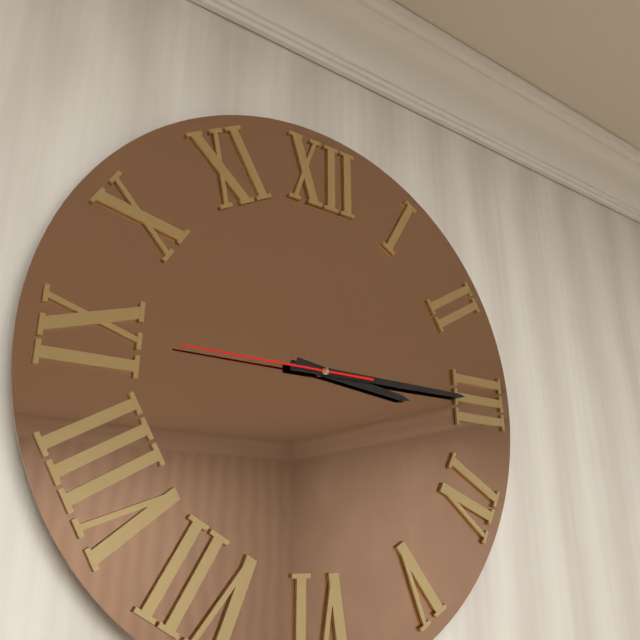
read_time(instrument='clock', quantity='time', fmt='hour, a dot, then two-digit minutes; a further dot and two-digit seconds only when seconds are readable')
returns 3.15.45
